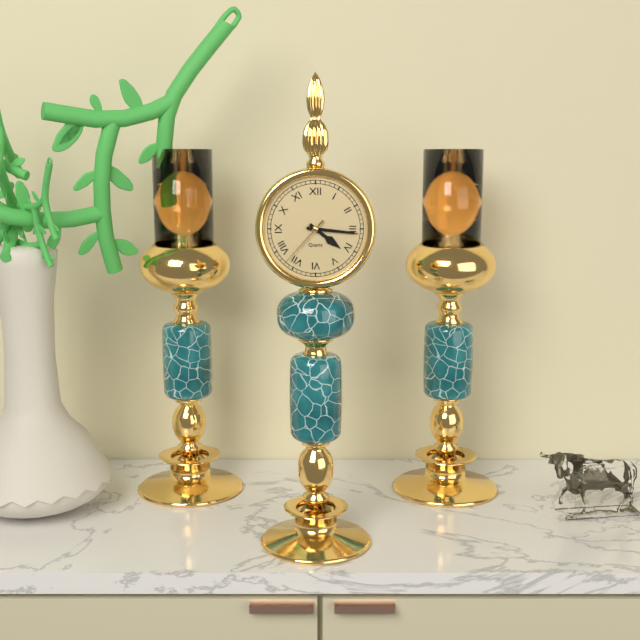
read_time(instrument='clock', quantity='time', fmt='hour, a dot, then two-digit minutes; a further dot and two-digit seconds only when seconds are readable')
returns 4.16.37
